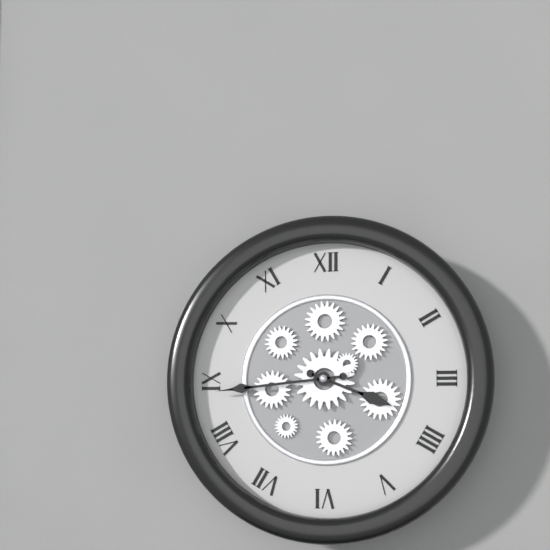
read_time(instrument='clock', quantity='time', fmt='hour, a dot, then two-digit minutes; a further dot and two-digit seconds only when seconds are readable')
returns 3.44
